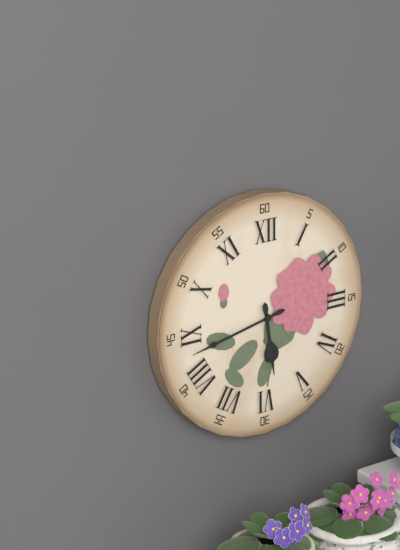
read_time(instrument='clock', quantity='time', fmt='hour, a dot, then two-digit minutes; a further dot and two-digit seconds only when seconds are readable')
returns 5.43
